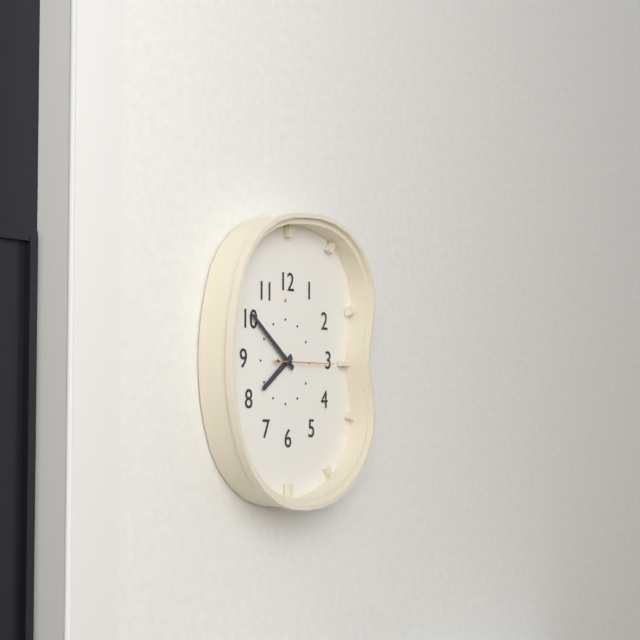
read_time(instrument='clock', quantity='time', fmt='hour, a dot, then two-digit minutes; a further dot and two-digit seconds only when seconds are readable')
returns 7.51.15
